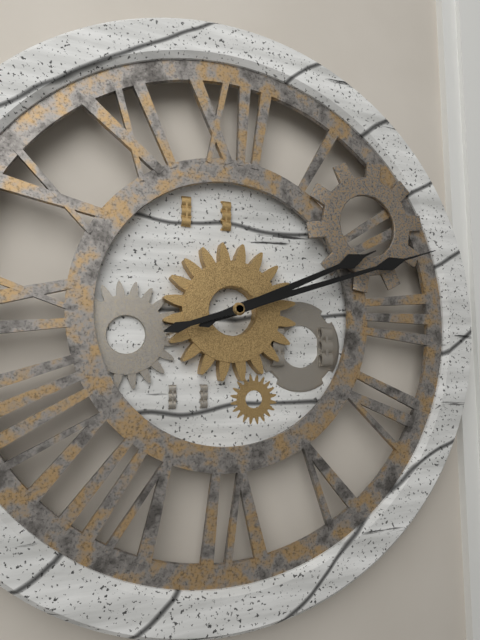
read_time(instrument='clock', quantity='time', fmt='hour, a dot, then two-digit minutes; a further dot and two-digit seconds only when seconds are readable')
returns 2.12
